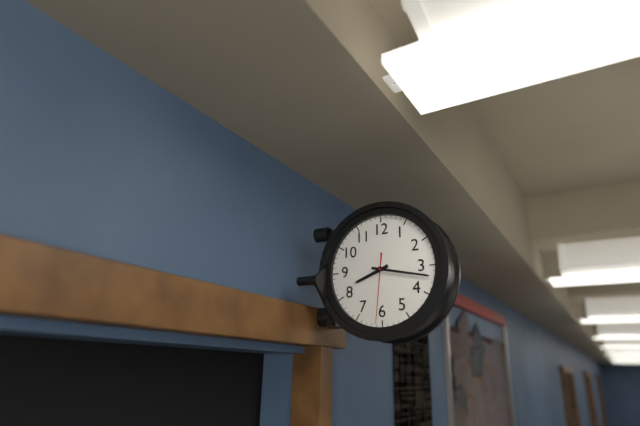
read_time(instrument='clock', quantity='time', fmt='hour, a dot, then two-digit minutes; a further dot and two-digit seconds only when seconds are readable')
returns 8.17.31
